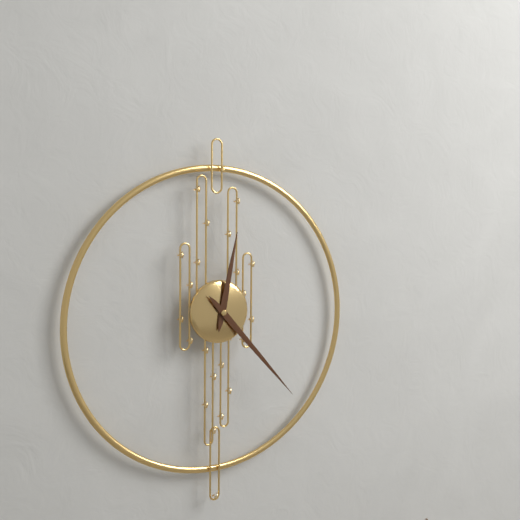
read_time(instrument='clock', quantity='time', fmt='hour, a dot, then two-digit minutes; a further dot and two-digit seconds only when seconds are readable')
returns 12.23
